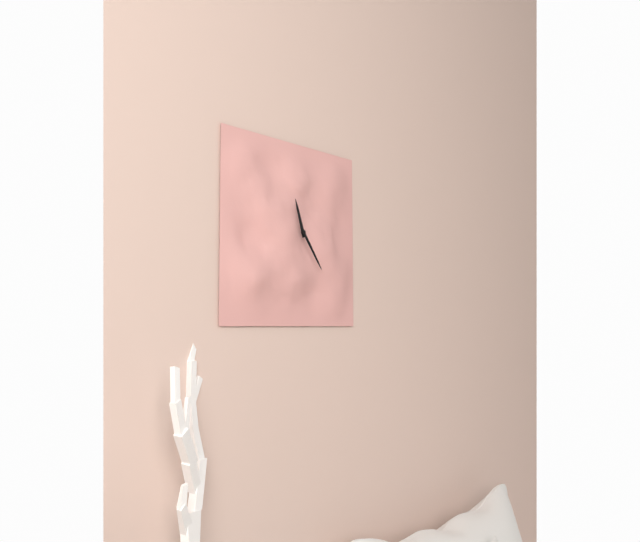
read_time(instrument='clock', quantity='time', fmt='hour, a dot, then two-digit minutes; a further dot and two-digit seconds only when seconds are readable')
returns 11.24
